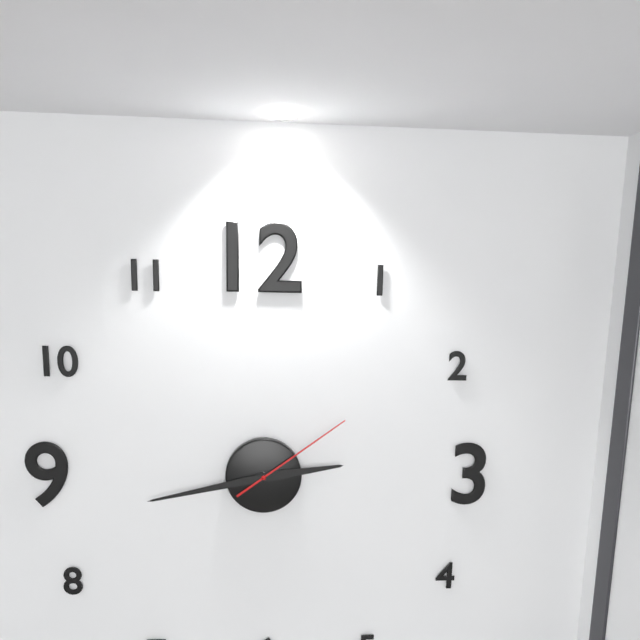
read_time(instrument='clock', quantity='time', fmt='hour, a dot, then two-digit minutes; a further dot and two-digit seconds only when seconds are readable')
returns 2.43.09
